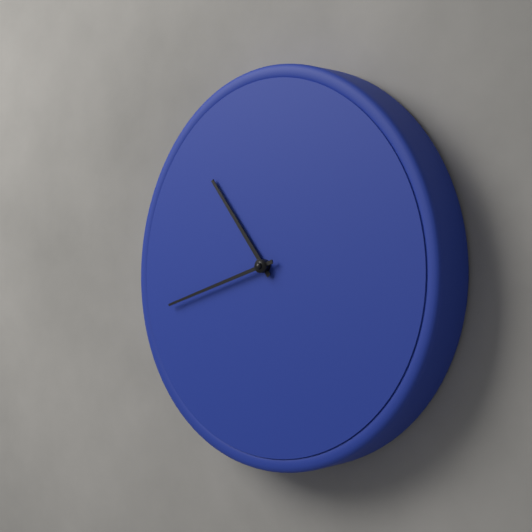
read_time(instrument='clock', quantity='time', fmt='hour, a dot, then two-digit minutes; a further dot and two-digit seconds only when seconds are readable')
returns 10.42
